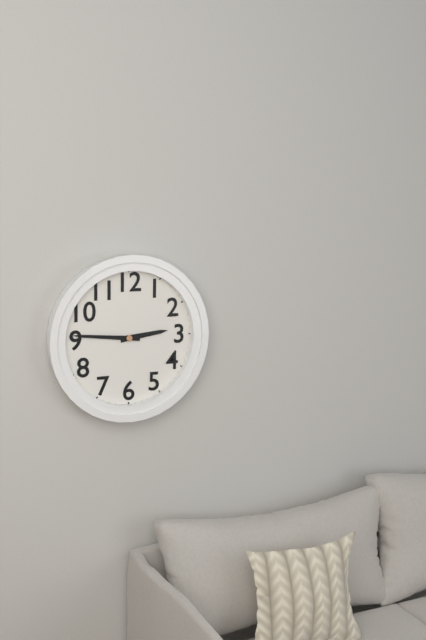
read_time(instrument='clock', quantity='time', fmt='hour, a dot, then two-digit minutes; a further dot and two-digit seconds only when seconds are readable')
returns 2.46
